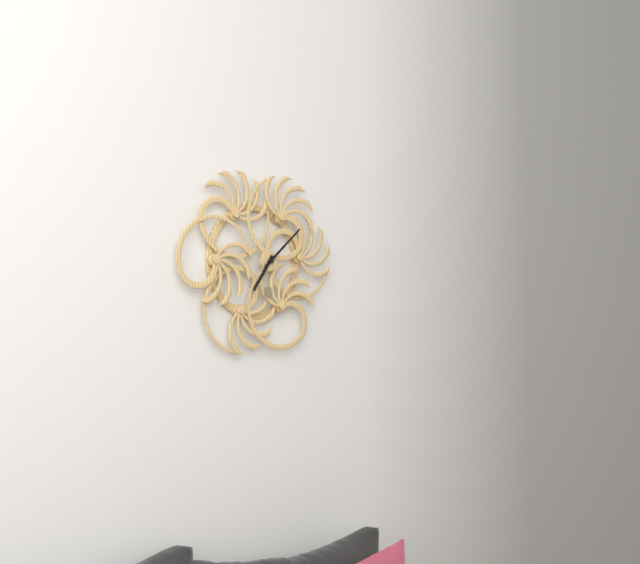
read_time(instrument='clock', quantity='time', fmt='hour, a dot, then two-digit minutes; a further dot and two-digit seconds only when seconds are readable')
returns 7.08
